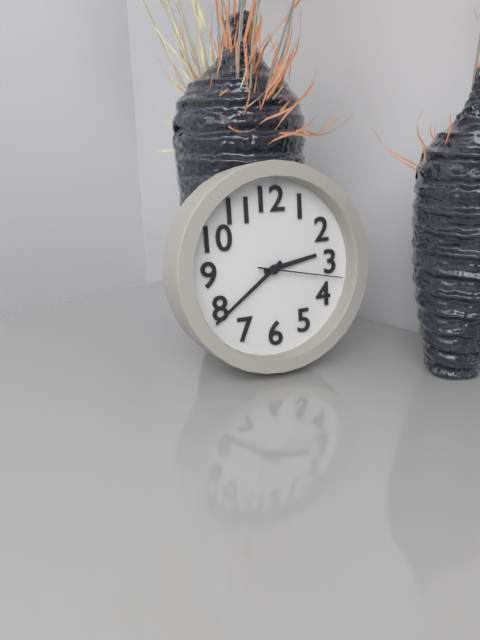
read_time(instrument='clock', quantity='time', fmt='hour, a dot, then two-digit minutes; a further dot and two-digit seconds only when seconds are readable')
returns 2.39.17
